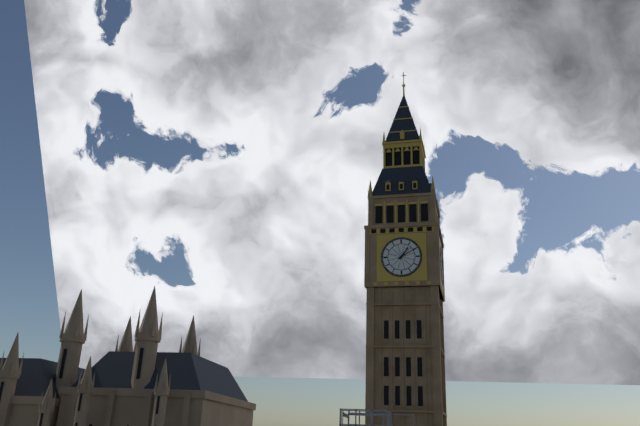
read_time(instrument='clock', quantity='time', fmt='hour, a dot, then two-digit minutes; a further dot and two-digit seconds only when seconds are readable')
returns 1.10
